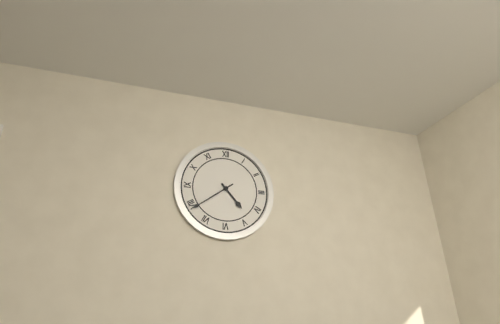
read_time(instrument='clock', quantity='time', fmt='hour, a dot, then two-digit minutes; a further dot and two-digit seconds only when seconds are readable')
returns 4.39
